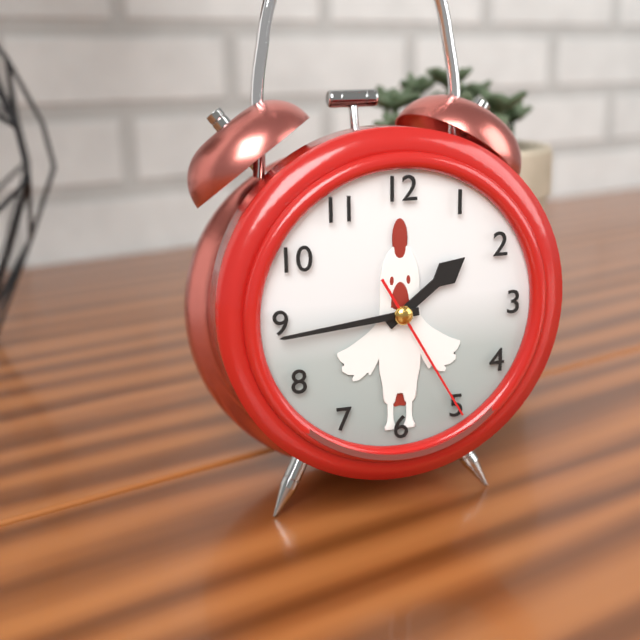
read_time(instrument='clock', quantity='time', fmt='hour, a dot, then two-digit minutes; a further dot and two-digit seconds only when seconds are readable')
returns 1.44.25
